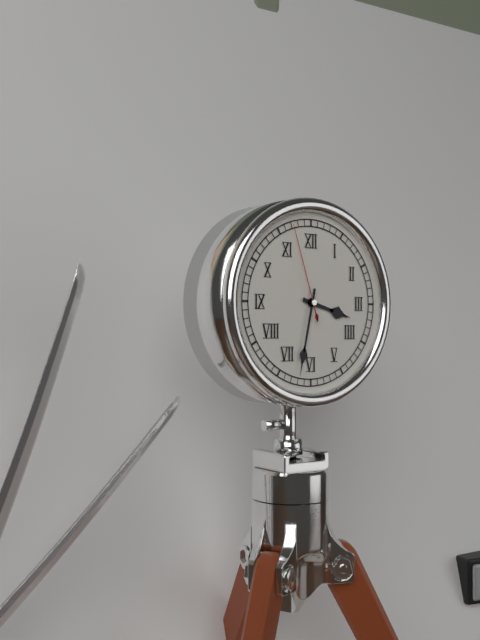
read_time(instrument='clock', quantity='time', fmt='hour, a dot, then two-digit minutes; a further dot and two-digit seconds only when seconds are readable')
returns 3.32.57
